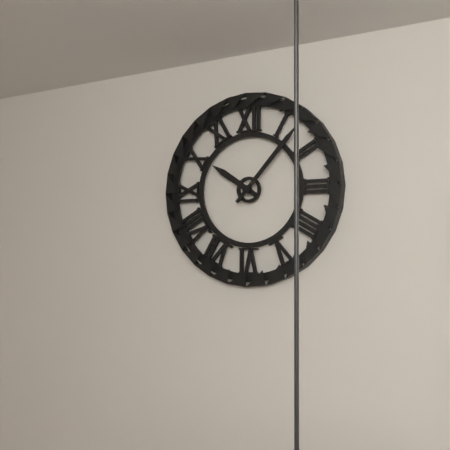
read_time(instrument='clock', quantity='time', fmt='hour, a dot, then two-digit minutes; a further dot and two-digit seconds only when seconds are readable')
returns 10.07
